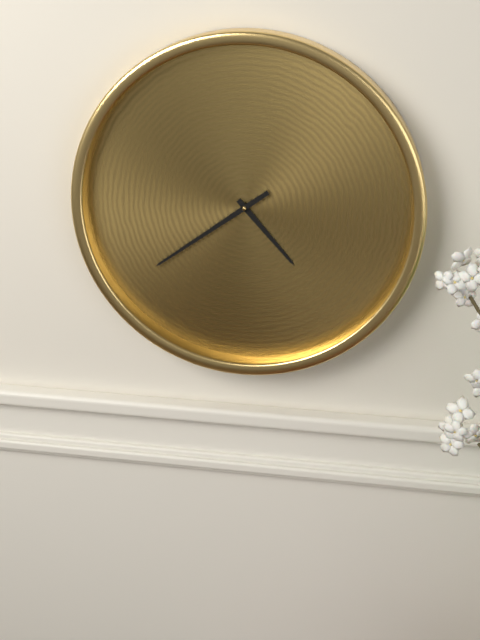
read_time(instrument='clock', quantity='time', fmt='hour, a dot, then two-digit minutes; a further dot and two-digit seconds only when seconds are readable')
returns 4.39
